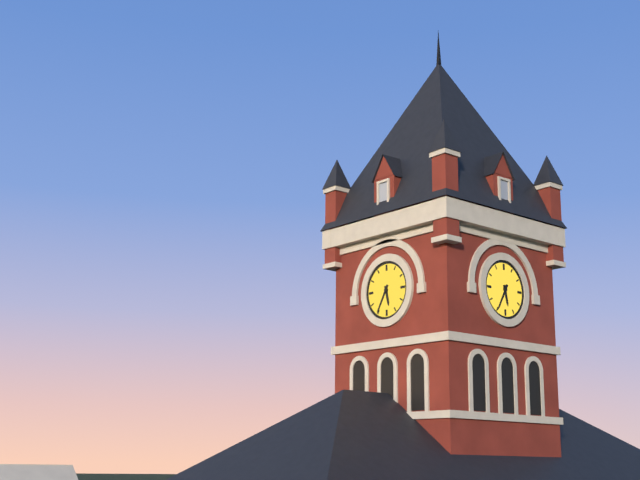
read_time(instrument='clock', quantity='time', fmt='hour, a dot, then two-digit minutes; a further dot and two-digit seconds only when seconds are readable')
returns 5.35
